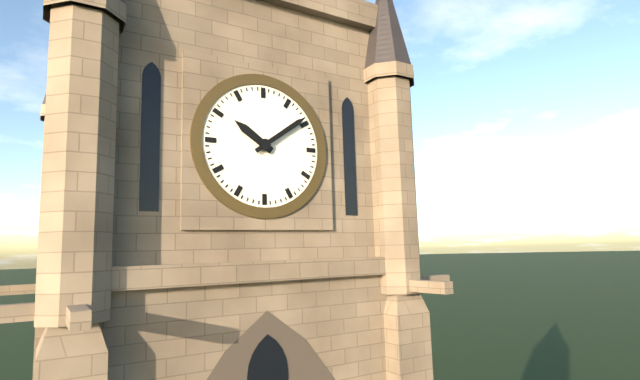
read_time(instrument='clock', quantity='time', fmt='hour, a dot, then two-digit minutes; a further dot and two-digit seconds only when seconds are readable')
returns 10.09
